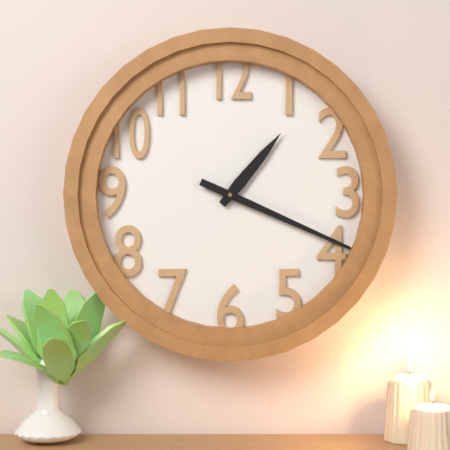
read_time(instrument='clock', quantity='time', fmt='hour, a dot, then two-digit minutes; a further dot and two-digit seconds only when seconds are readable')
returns 1.19
